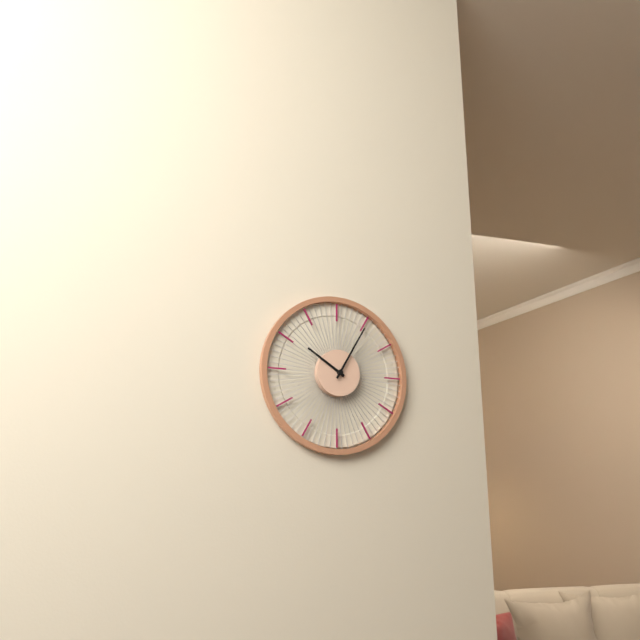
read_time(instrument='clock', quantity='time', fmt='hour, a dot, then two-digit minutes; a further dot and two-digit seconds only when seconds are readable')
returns 10.05
